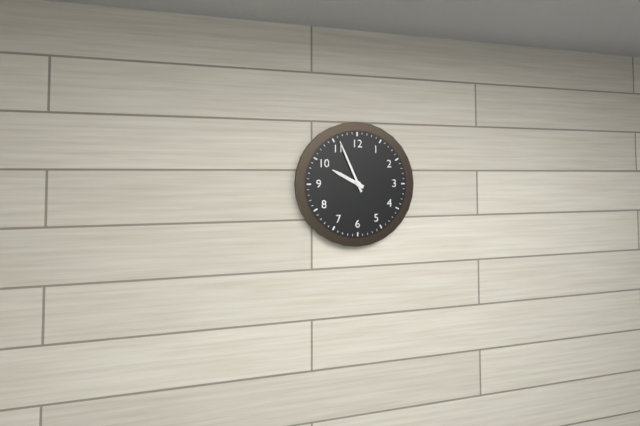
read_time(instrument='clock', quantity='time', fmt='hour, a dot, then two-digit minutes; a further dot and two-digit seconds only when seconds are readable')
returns 9.56
